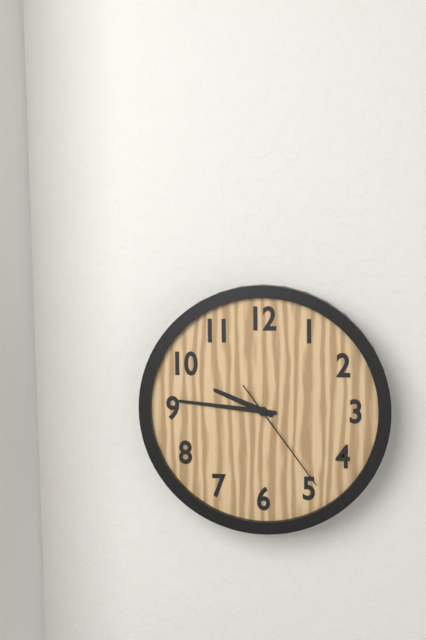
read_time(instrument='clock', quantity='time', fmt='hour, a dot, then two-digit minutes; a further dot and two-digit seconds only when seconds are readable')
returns 9.46.24
